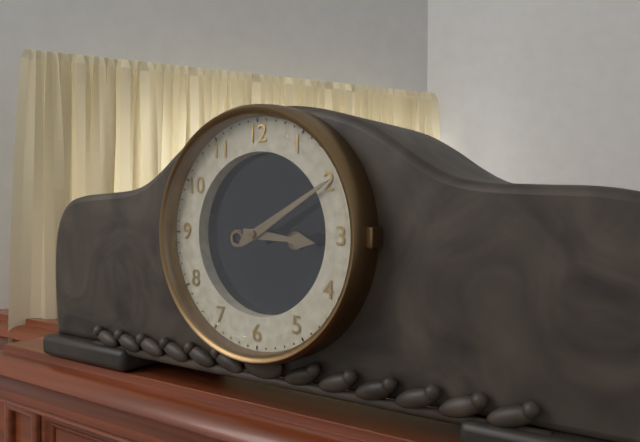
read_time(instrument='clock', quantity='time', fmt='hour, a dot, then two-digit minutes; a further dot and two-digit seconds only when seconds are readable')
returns 3.10
